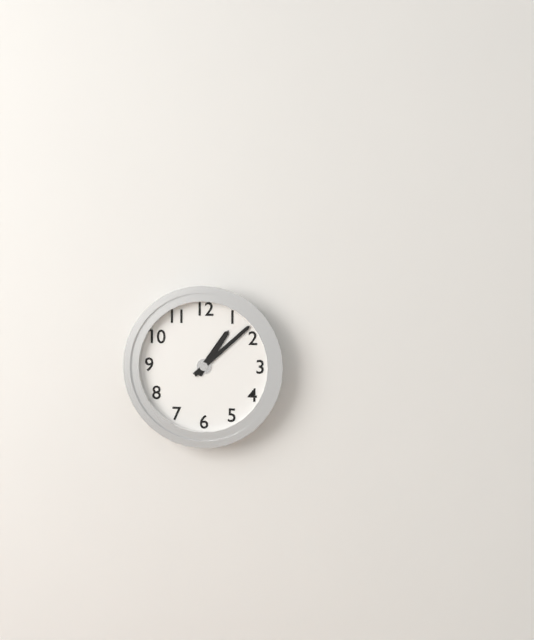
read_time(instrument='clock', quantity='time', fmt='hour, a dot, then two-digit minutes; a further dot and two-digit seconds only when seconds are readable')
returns 1.08
